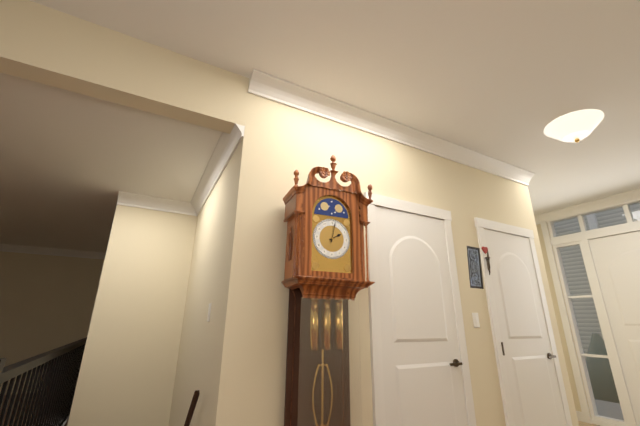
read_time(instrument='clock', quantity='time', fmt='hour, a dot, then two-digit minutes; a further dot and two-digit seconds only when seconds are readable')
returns 2.02
